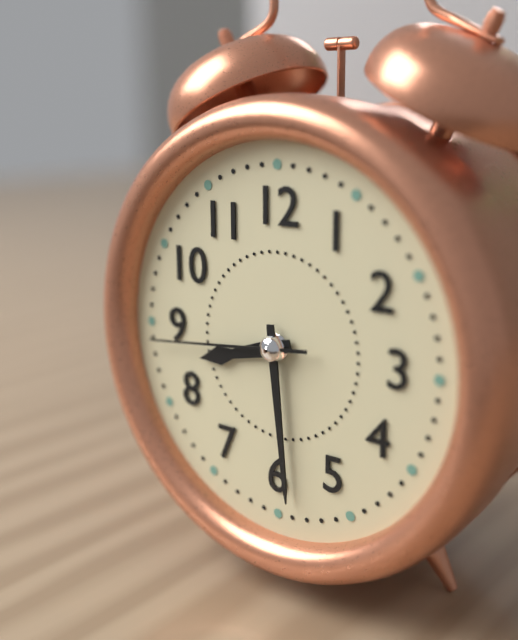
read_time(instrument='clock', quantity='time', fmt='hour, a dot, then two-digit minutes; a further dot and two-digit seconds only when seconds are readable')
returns 8.29.44
